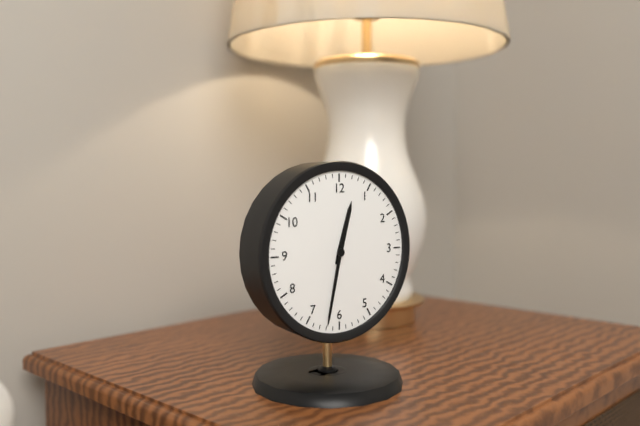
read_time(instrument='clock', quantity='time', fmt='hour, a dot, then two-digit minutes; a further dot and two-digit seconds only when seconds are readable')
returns 12.32
